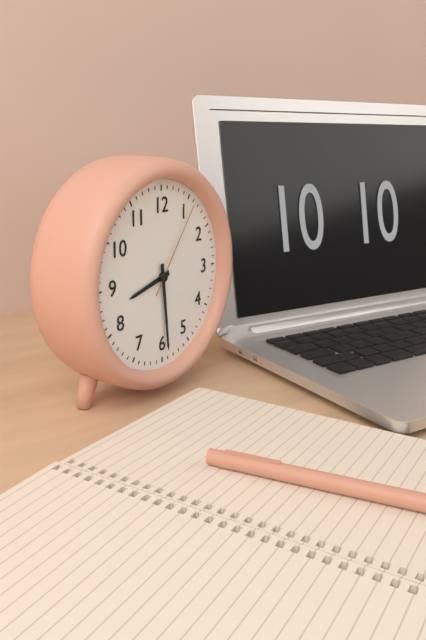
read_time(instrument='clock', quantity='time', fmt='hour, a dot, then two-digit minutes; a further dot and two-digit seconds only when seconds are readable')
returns 8.29.06
